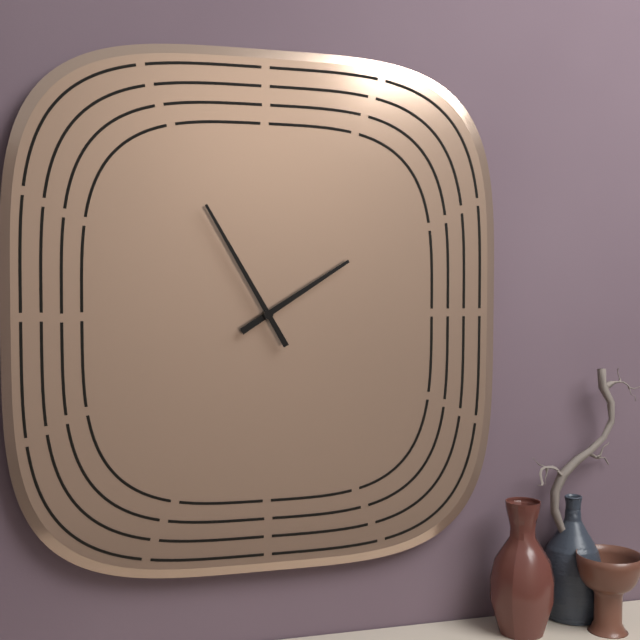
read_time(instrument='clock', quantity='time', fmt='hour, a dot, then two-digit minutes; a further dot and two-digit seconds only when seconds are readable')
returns 1.55
